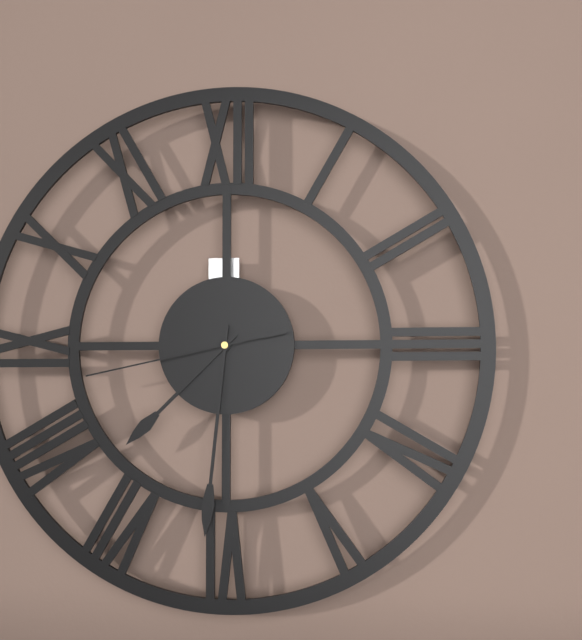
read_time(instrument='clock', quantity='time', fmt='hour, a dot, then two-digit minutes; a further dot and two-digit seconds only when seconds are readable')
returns 7.31.43
